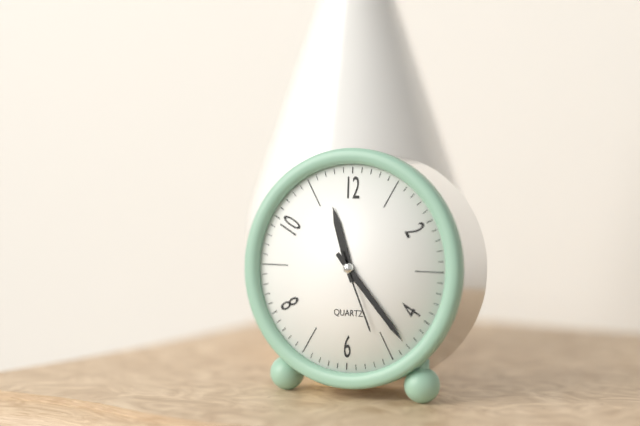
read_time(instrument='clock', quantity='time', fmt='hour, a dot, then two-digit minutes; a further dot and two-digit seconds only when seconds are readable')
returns 11.23.26
